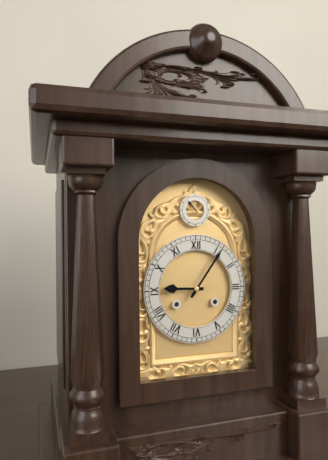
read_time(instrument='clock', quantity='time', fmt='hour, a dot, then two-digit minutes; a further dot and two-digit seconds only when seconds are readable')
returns 9.06
